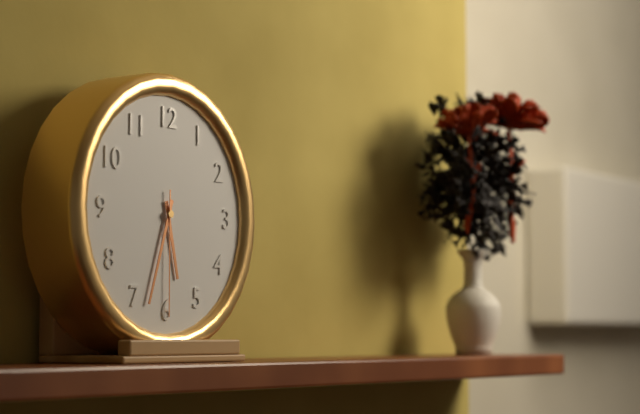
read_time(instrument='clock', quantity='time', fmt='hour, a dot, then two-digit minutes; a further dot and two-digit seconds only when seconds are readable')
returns 5.33.30
